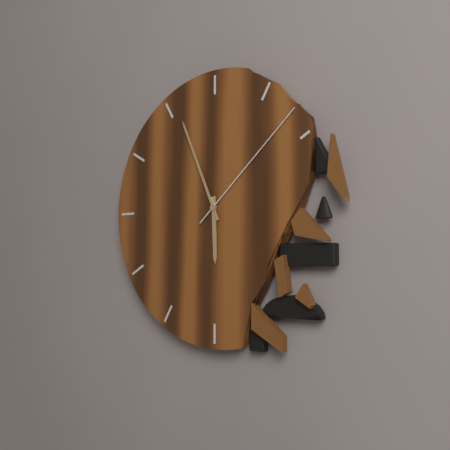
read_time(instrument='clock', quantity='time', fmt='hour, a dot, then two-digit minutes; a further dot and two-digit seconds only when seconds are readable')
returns 5.56.08
